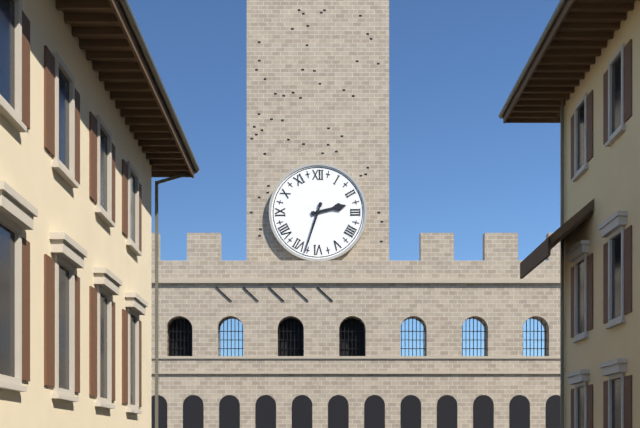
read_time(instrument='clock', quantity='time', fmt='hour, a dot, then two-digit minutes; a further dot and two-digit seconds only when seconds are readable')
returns 2.33
